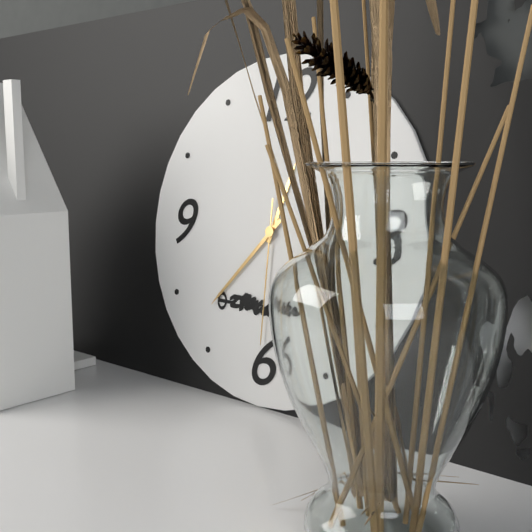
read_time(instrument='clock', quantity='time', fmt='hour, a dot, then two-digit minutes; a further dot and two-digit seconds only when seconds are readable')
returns 12.37.30
